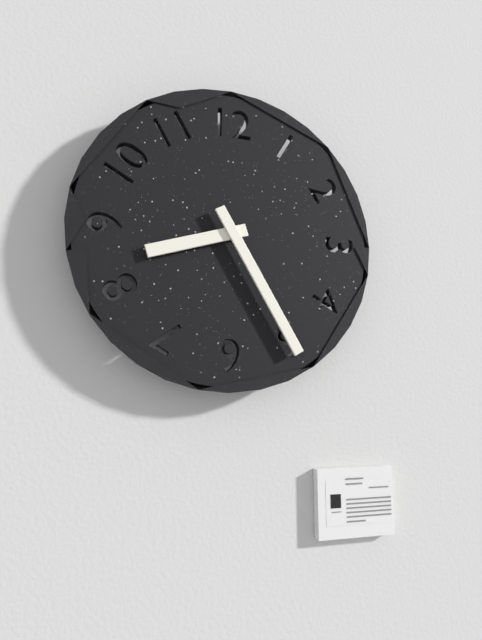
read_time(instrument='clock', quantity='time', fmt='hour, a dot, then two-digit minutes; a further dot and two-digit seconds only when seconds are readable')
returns 8.25
